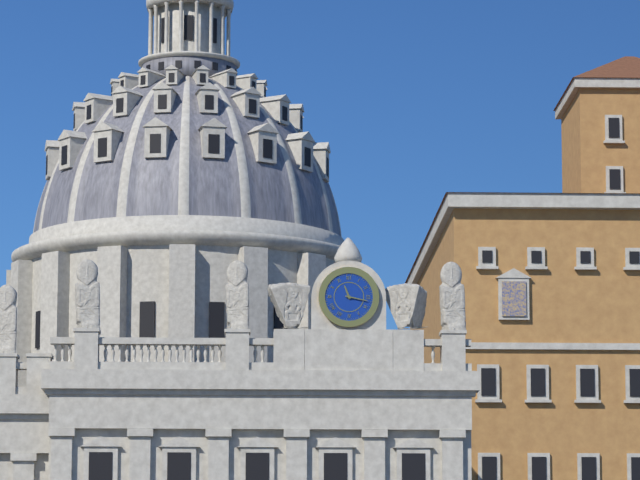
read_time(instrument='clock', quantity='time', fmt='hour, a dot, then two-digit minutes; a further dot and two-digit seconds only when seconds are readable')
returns 11.17
